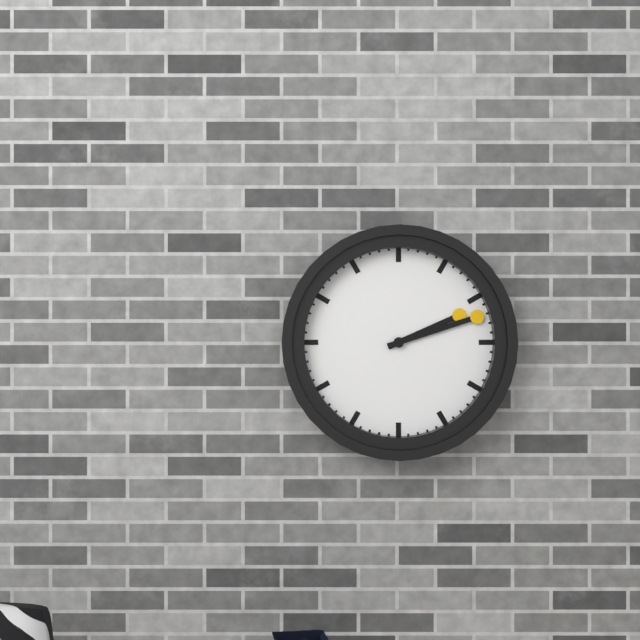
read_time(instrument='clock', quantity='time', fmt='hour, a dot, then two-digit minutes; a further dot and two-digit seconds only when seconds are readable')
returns 2.12
